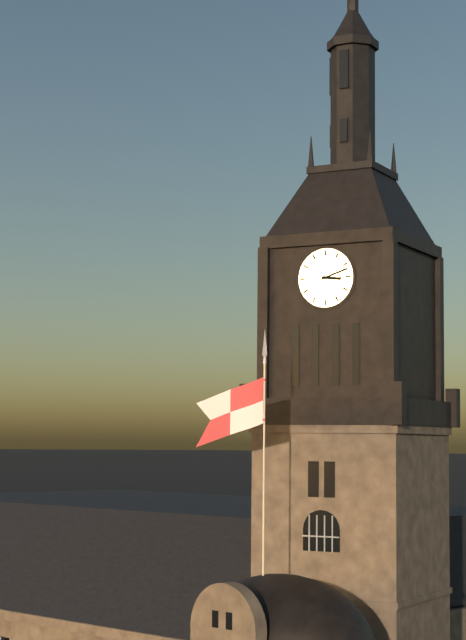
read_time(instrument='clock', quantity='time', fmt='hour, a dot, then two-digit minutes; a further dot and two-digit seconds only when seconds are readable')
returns 3.12
